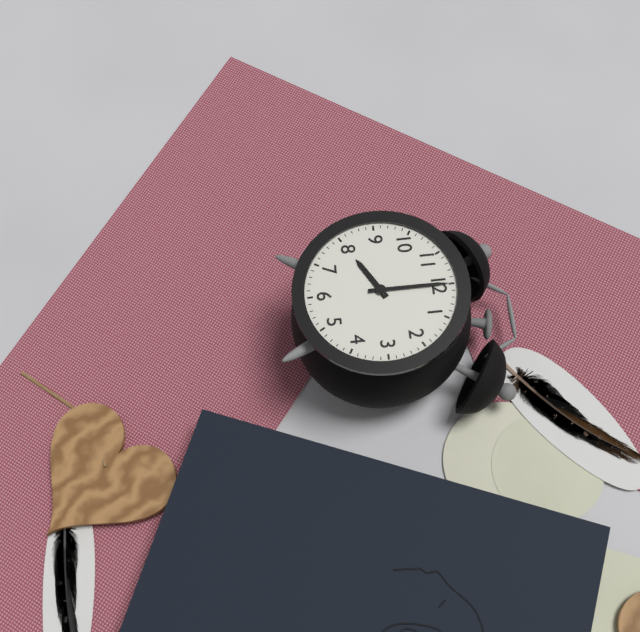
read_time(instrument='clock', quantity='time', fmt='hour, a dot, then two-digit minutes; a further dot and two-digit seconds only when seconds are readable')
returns 8.00
